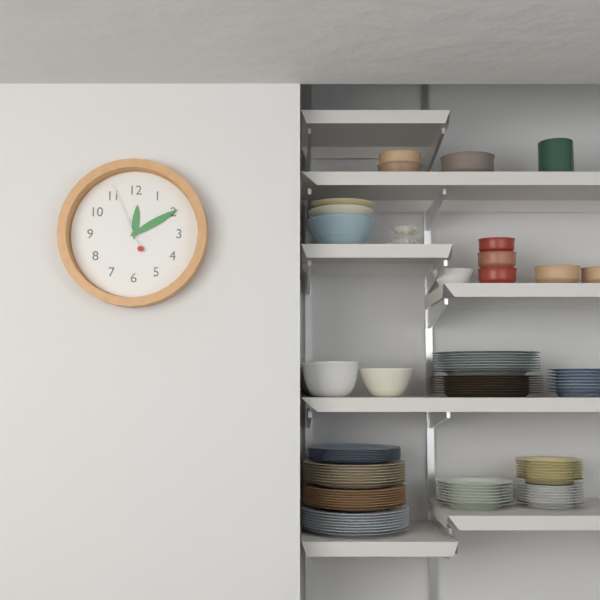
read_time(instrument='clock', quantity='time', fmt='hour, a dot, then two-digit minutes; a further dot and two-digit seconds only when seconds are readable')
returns 12.10.56
